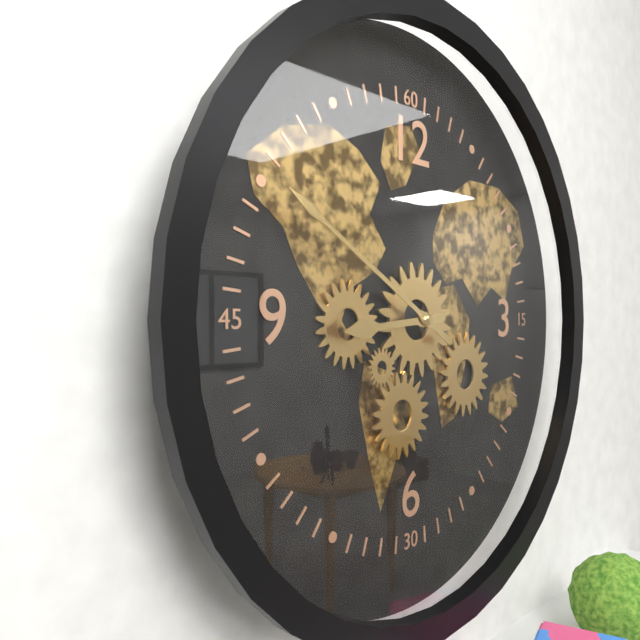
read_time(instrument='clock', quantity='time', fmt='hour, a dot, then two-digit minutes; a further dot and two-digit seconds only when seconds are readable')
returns 8.50
